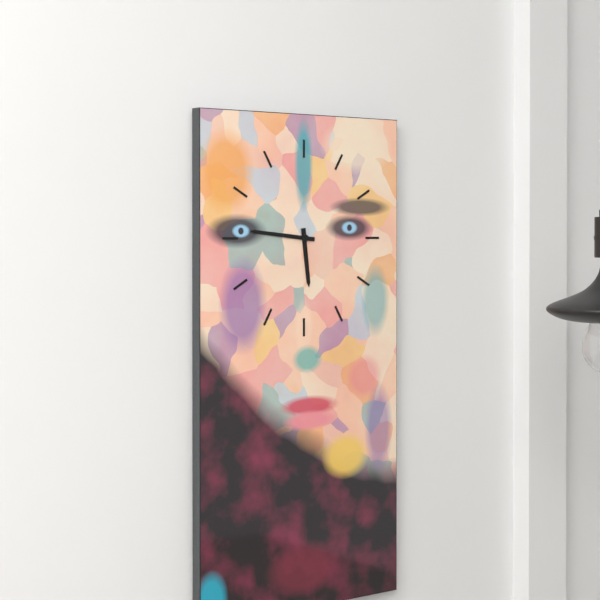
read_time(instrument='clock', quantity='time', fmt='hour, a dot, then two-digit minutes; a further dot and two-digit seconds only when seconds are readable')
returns 5.46
